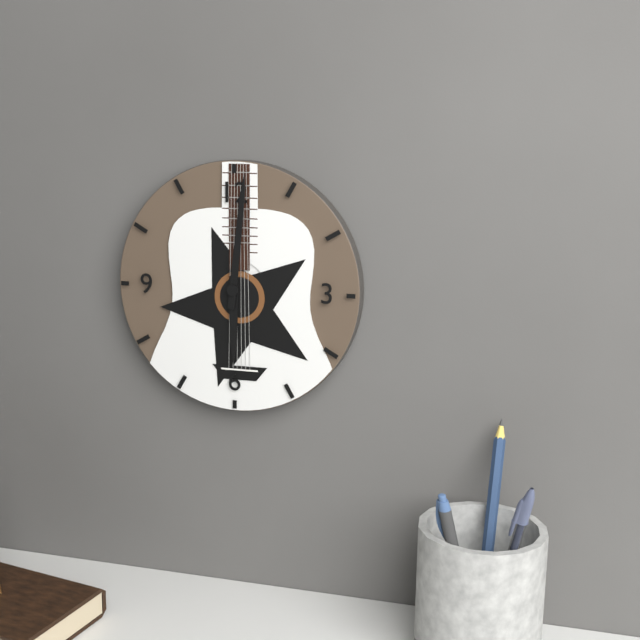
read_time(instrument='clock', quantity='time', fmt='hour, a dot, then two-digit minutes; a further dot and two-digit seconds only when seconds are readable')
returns 6.01
